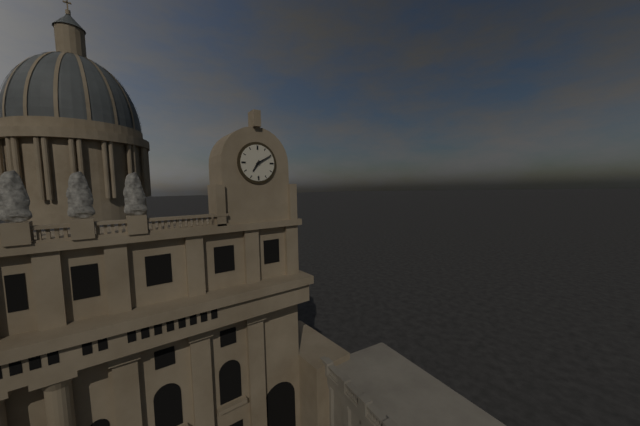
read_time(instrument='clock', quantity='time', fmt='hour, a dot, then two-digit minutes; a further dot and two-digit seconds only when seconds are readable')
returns 7.10
